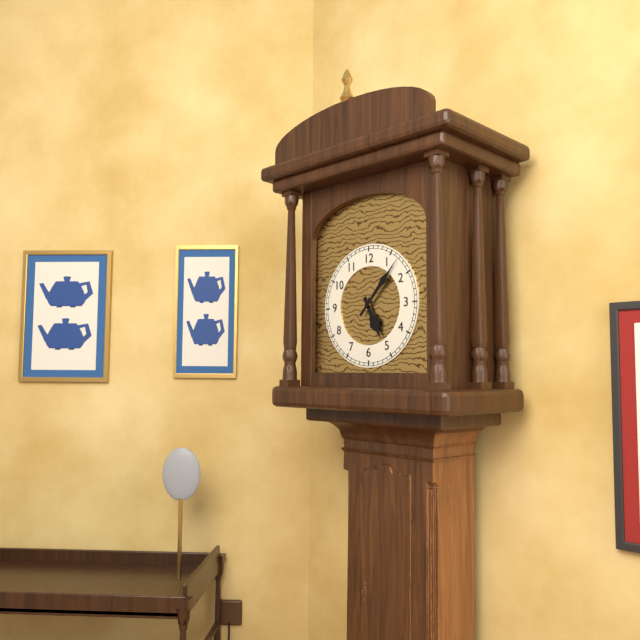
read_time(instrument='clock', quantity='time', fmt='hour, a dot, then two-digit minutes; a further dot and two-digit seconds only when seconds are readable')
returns 5.07
